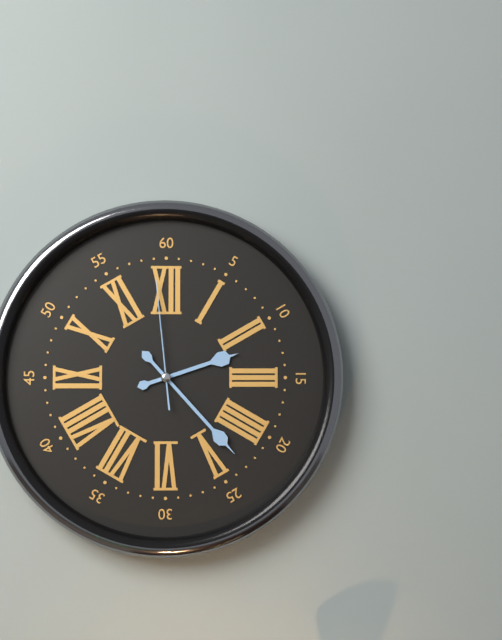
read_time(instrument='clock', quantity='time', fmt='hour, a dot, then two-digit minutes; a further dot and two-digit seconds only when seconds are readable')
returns 2.23.59
